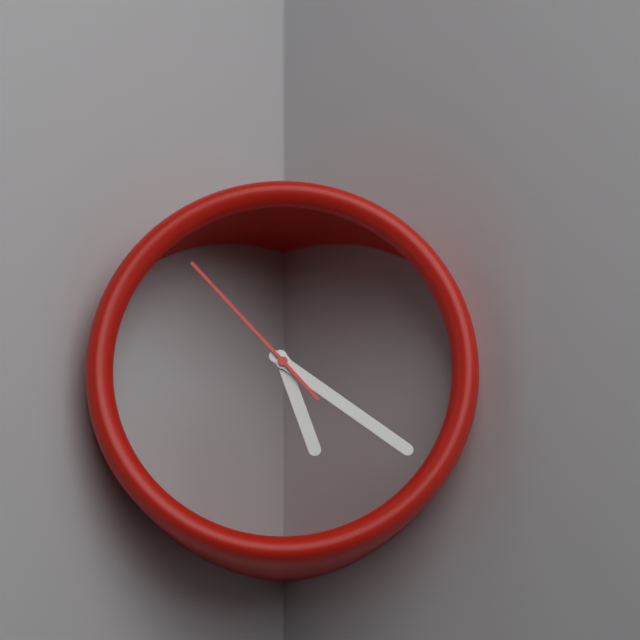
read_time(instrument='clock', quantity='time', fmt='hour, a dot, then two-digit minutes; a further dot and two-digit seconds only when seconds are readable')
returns 5.21.53
